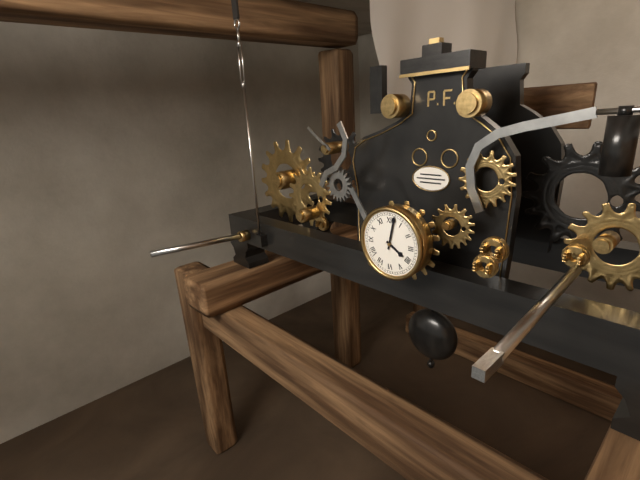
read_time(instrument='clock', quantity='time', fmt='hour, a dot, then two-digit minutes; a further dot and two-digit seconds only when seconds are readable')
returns 4.02
